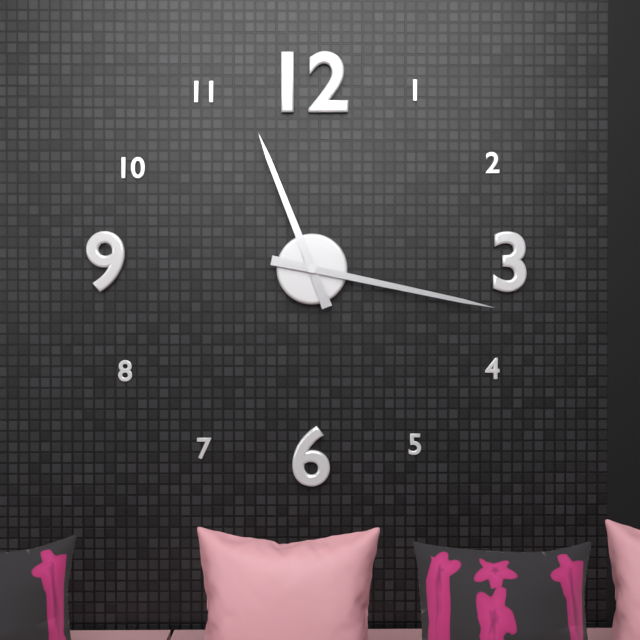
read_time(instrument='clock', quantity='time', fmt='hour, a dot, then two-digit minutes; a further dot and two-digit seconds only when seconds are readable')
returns 11.17
